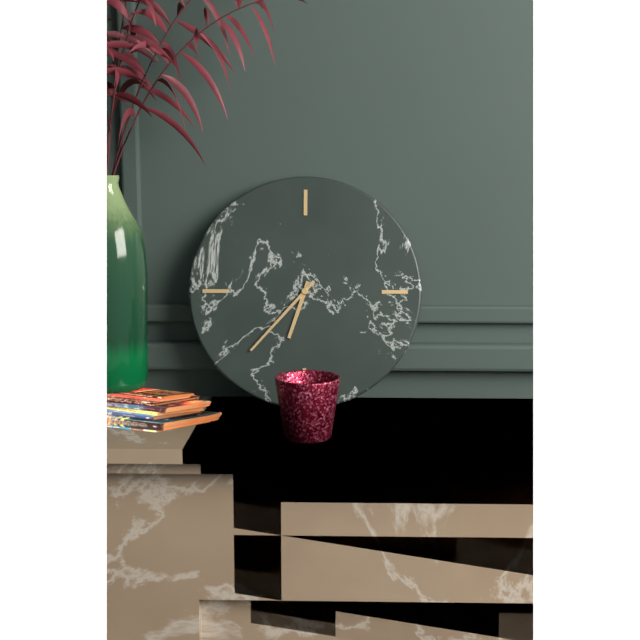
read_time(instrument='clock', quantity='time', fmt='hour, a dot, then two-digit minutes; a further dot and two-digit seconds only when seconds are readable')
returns 6.37
